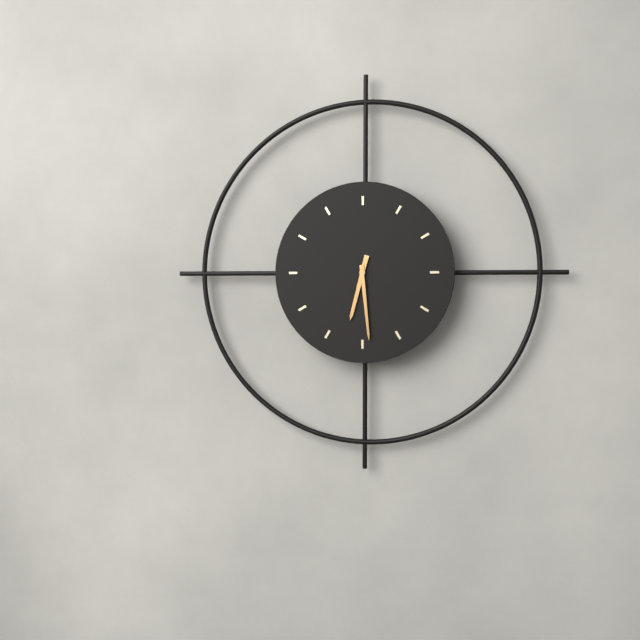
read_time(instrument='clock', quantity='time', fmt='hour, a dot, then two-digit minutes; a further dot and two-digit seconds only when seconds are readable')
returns 6.29
